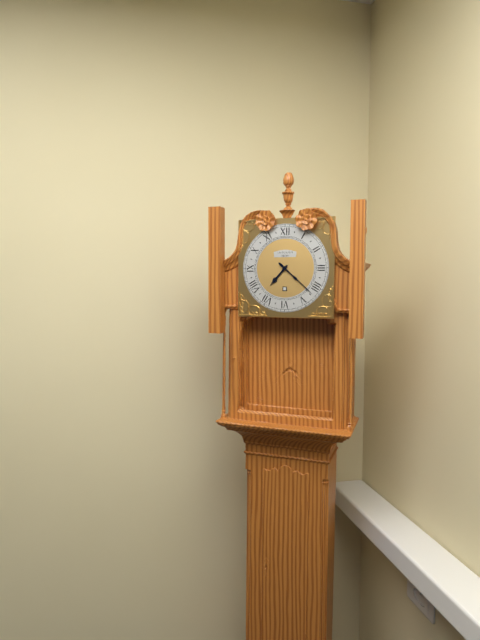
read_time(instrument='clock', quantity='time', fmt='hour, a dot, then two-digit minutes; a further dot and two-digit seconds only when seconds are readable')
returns 7.22
